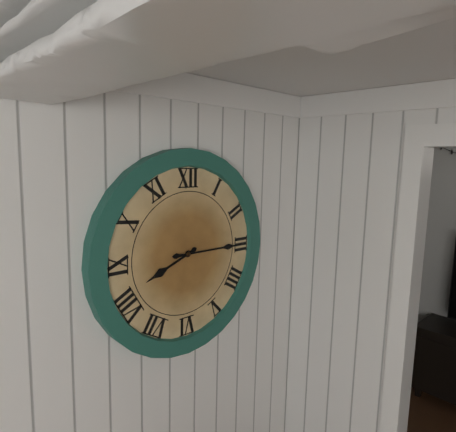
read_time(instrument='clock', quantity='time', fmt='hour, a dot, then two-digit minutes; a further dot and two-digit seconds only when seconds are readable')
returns 8.15
